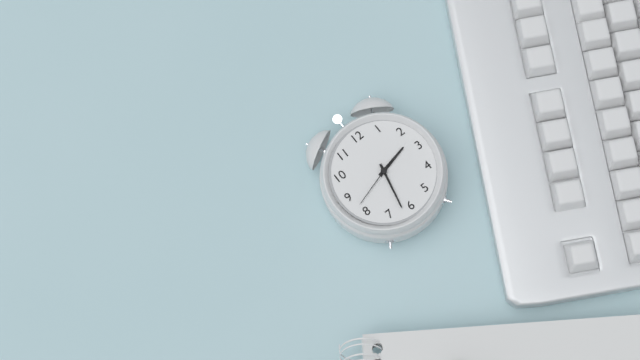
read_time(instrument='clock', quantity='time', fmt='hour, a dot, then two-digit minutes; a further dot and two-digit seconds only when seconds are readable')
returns 2.32.42
